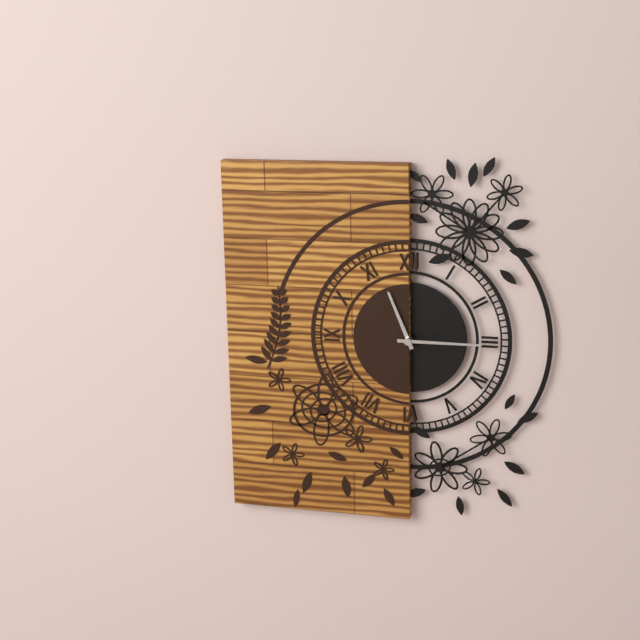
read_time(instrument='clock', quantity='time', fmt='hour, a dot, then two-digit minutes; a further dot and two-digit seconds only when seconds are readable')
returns 11.15
